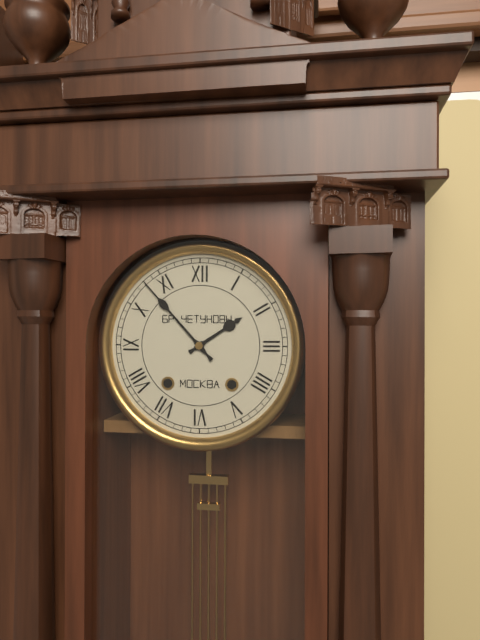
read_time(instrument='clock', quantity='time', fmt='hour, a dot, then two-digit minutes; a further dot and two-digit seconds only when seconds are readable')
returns 1.53
